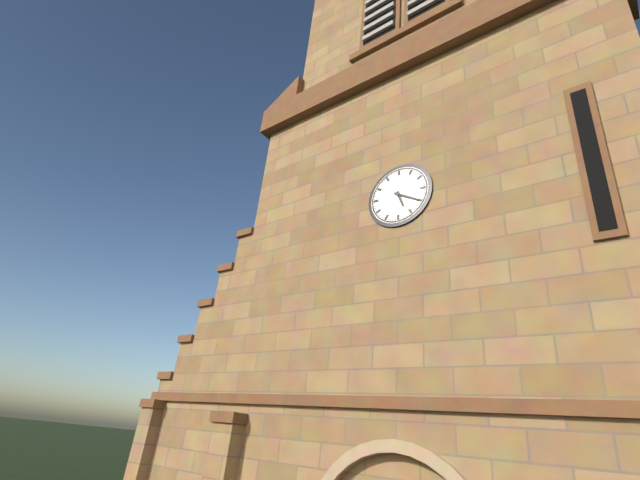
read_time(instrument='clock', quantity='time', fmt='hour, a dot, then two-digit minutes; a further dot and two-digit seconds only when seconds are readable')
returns 5.20
